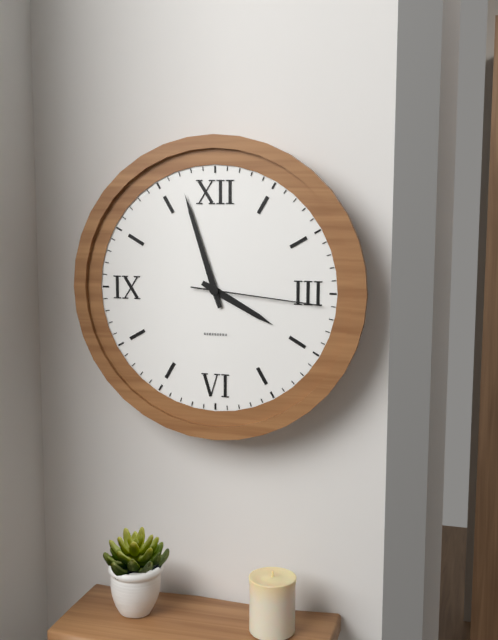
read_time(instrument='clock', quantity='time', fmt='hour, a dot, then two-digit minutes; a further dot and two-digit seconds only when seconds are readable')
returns 3.57.16
